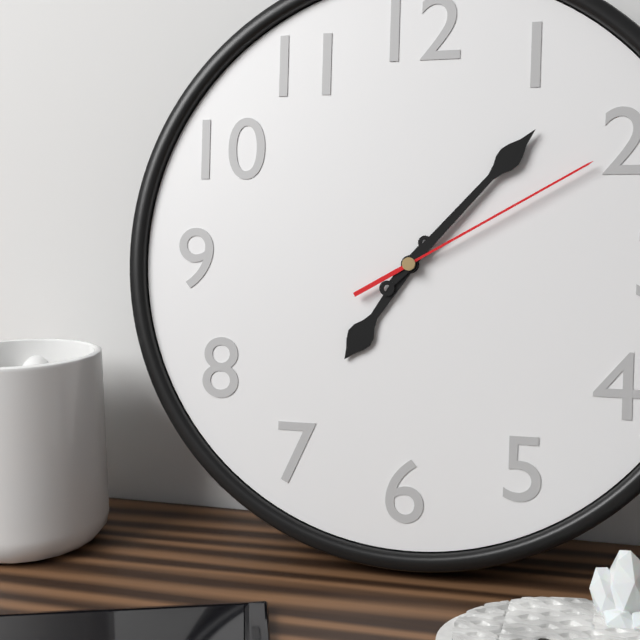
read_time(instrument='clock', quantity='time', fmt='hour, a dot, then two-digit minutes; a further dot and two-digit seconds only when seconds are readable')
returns 7.07.10
